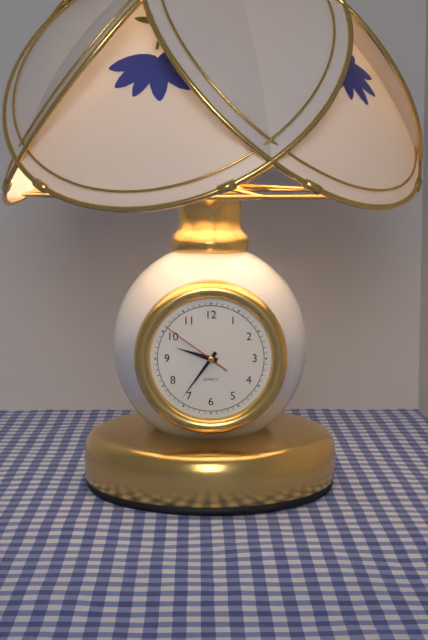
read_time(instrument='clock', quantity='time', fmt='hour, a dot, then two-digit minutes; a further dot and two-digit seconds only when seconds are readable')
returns 9.36.51
